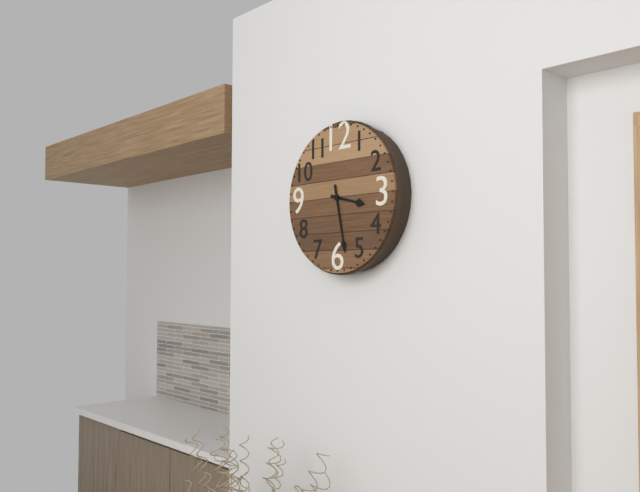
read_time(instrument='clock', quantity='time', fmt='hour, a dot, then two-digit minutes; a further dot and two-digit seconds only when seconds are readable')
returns 3.28
